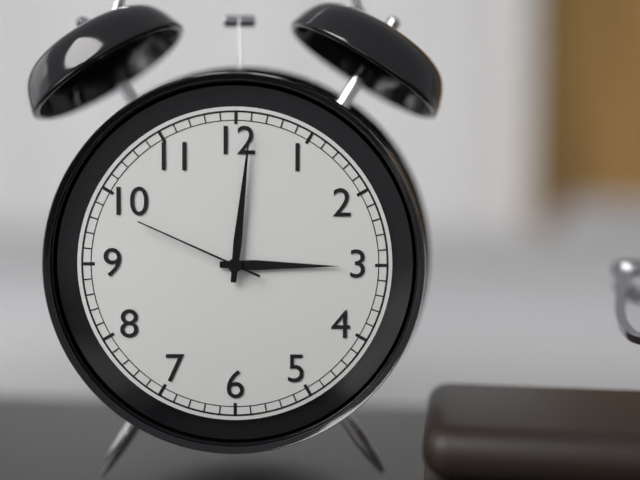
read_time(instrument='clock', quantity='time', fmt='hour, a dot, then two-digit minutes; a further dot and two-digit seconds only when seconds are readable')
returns 3.01.49
